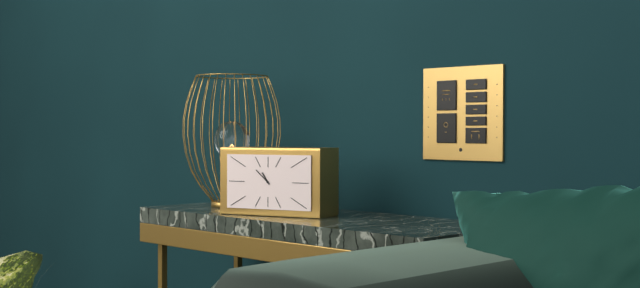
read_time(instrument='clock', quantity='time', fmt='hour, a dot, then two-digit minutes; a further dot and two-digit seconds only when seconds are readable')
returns 10.52
